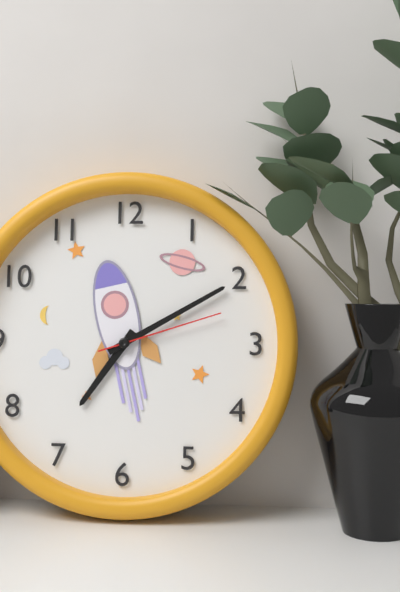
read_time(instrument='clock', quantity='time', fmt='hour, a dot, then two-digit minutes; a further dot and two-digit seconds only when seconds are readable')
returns 7.10.12
